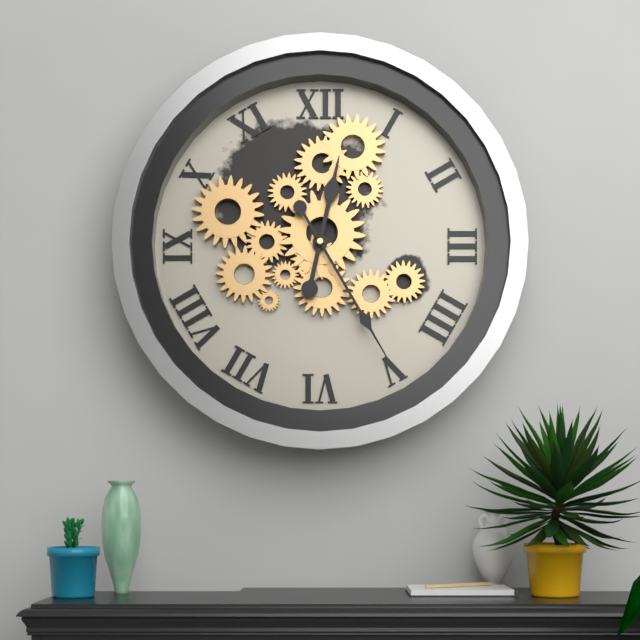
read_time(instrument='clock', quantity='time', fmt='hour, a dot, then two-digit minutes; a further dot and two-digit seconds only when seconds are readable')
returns 12.25
